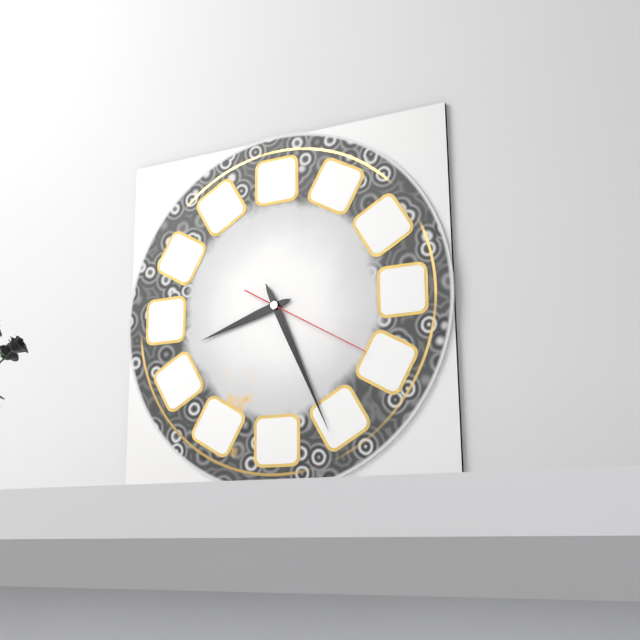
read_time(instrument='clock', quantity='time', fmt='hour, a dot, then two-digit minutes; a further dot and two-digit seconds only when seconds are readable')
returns 8.26.20
